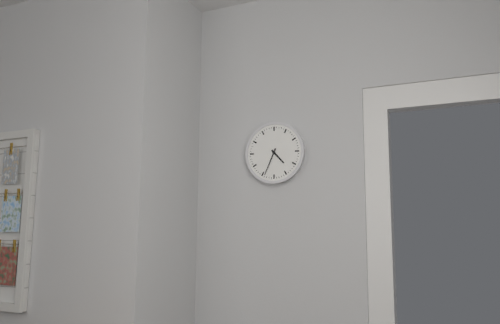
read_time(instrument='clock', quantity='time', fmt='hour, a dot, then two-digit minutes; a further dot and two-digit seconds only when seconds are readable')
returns 4.34
